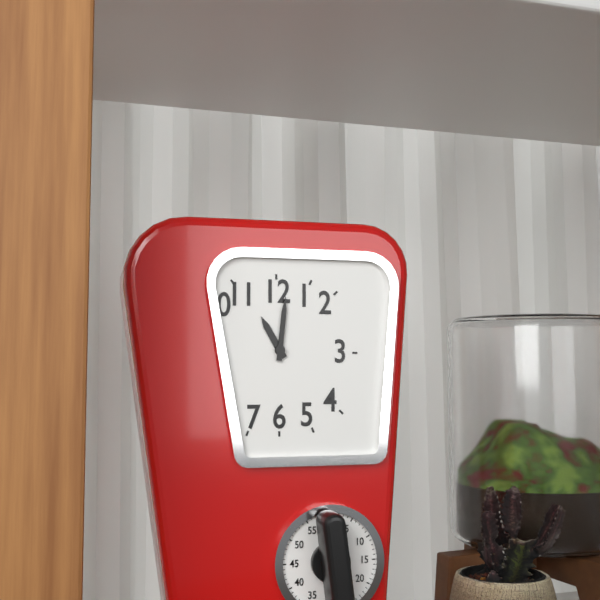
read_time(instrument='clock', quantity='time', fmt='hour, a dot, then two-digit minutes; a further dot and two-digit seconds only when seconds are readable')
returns 11.01
